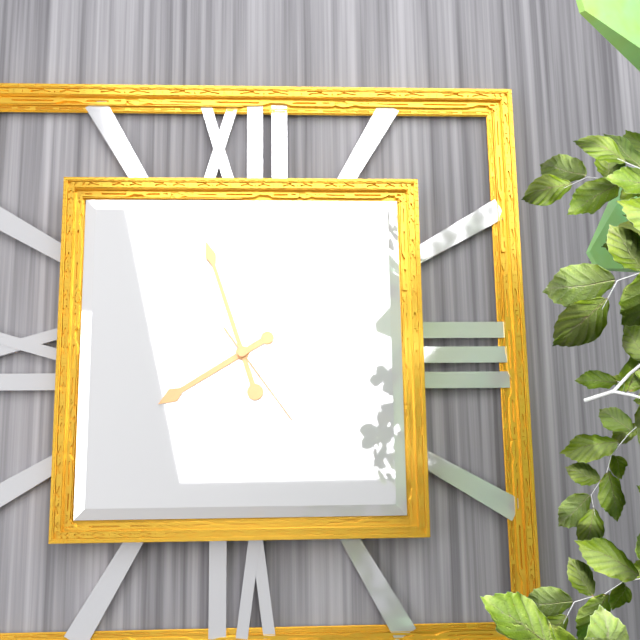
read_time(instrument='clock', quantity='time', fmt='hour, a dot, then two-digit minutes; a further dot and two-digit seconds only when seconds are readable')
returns 7.57.24
